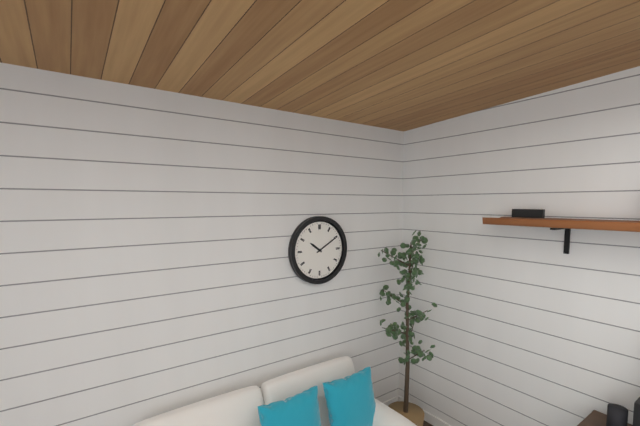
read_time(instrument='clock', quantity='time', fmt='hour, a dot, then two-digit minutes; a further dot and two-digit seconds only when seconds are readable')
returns 10.10
